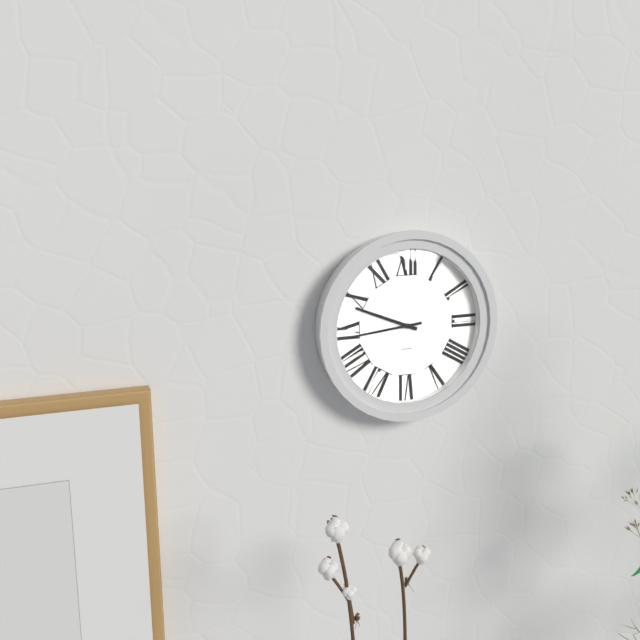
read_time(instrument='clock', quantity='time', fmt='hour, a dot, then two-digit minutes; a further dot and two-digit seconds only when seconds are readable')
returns 9.44
